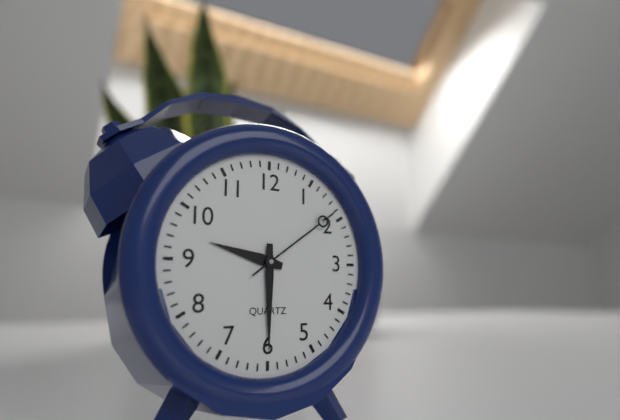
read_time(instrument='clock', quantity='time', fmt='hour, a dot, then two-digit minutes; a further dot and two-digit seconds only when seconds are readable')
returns 9.30.09
